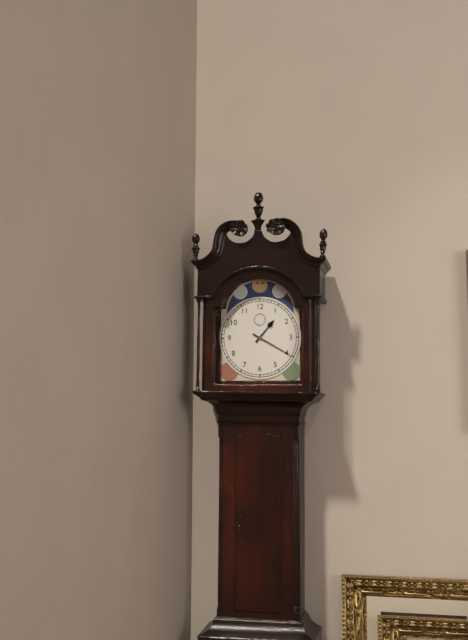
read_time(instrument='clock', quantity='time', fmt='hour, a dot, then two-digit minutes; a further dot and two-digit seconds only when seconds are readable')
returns 1.20
